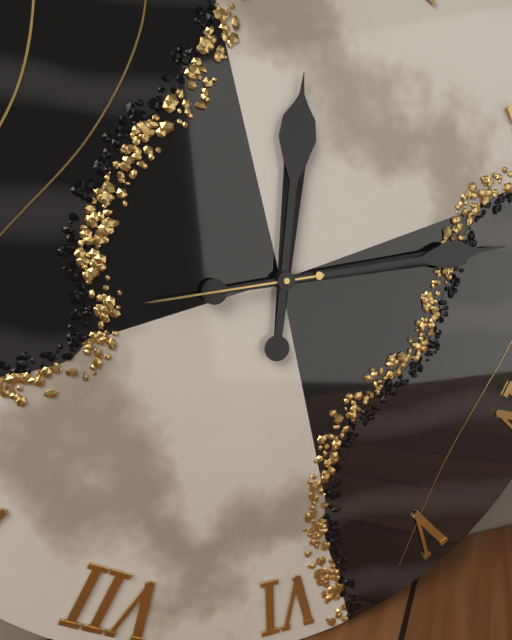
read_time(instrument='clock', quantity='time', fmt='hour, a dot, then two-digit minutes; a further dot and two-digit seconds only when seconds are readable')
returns 12.14.44
